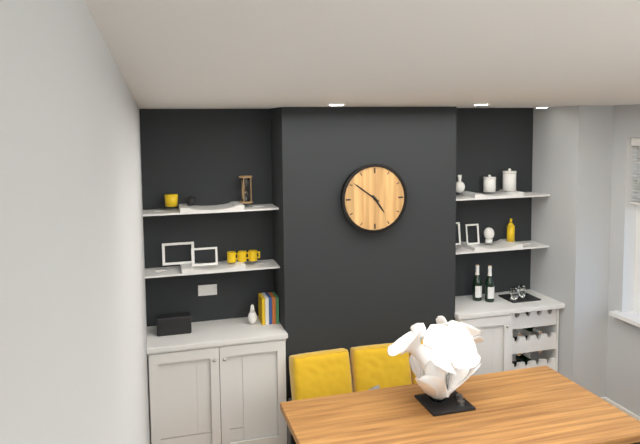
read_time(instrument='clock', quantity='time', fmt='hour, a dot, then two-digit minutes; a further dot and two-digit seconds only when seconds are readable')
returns 4.51
